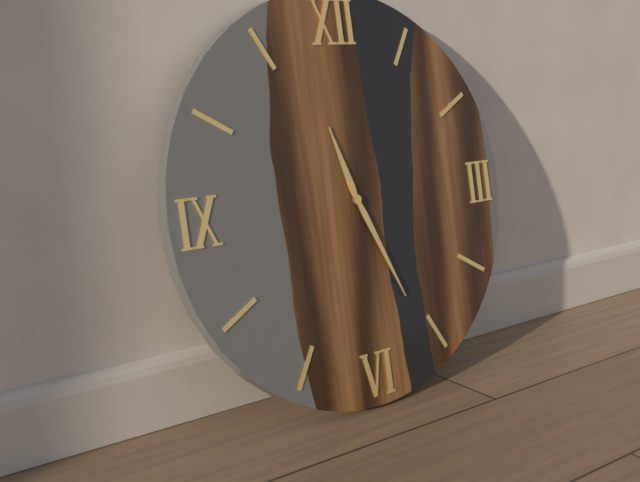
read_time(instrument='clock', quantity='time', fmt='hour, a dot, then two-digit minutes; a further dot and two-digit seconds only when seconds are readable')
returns 11.26
